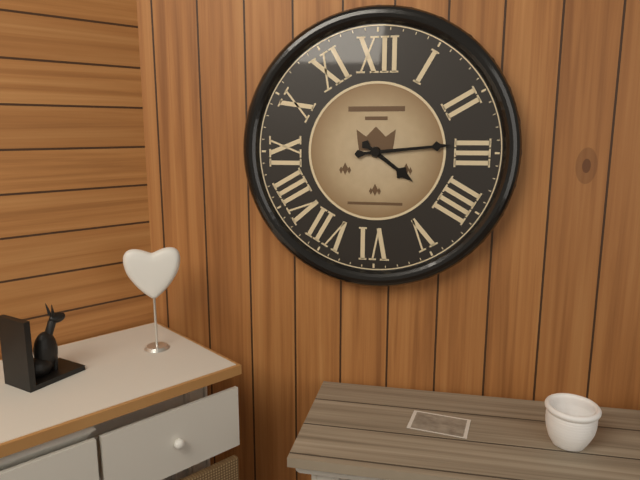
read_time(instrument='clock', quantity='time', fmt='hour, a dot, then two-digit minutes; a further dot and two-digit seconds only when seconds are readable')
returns 4.14
